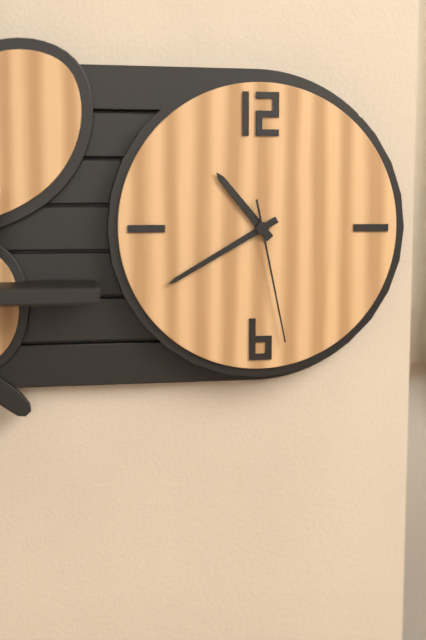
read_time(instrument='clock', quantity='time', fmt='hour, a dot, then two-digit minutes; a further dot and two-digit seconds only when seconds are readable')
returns 10.40.28
